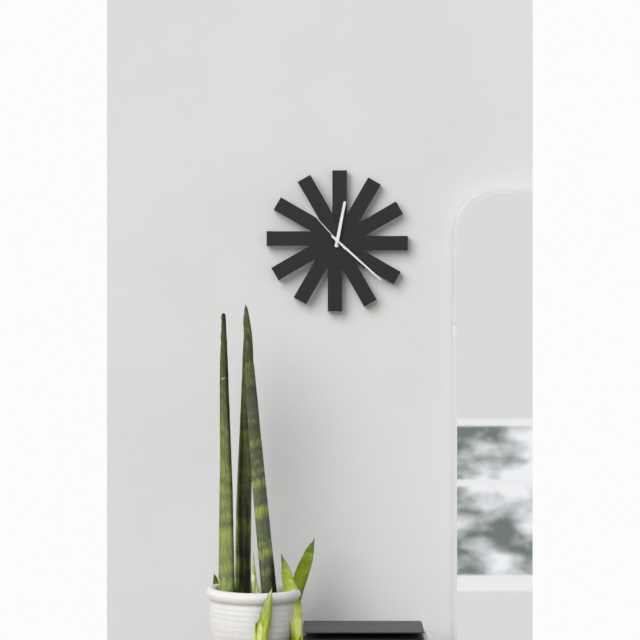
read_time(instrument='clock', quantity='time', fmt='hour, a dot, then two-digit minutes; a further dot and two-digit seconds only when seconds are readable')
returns 12.22.53
